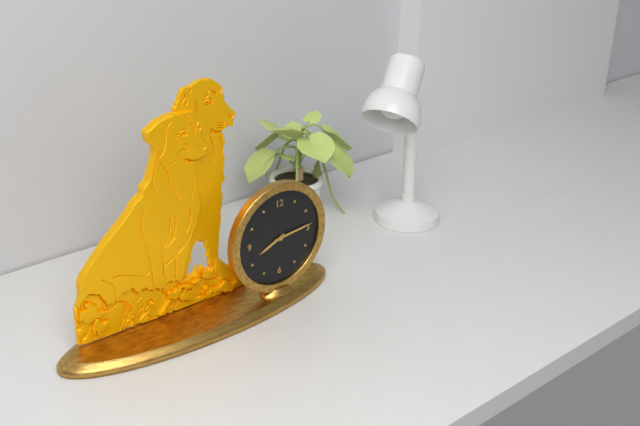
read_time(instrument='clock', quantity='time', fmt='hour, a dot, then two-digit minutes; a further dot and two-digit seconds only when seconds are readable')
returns 8.14
